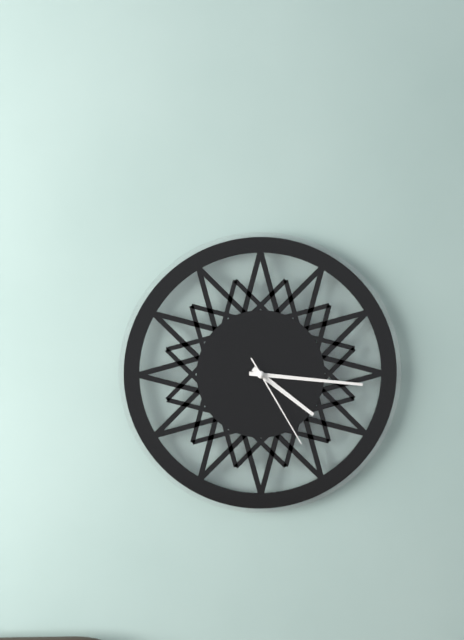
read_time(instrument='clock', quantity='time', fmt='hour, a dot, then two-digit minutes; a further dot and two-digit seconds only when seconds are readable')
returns 4.16.25
